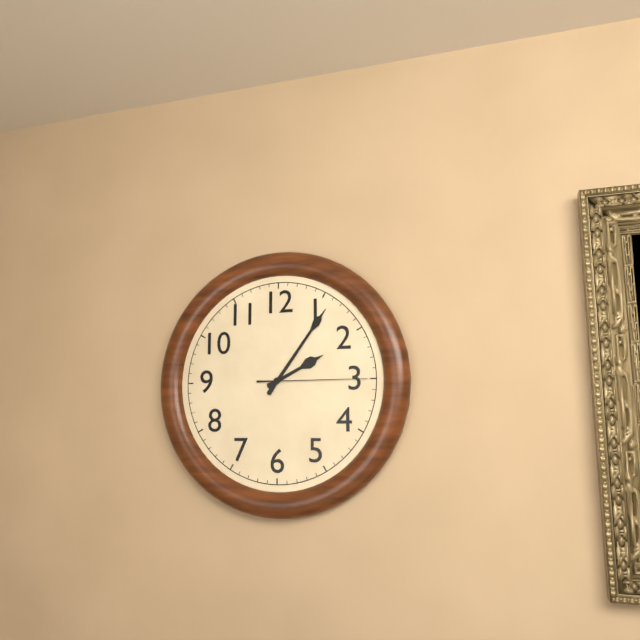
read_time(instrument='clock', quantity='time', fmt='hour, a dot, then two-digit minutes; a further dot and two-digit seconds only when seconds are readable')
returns 2.06.15
